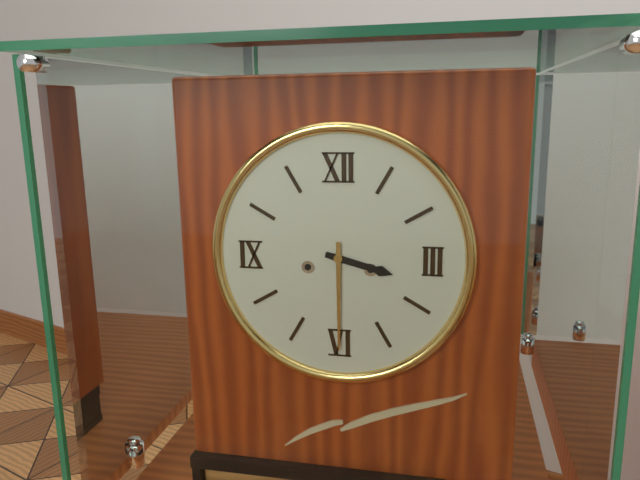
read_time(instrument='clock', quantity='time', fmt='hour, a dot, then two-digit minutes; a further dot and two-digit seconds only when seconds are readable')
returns 3.30
